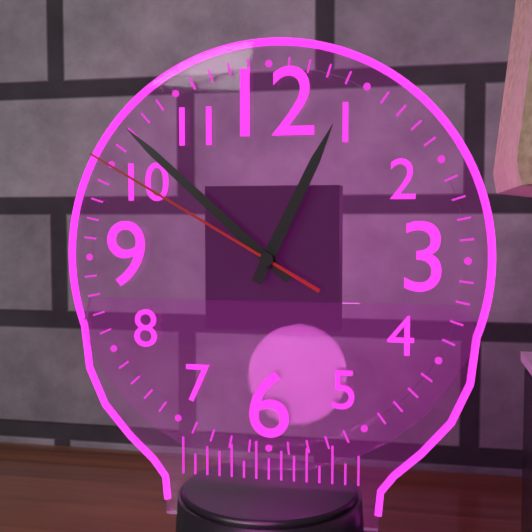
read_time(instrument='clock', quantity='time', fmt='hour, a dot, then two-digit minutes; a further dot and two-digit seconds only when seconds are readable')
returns 12.52.50
